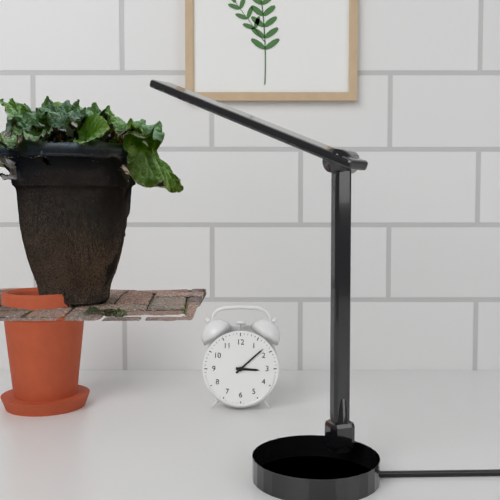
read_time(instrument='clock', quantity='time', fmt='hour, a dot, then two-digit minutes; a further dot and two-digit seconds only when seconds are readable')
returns 3.08
